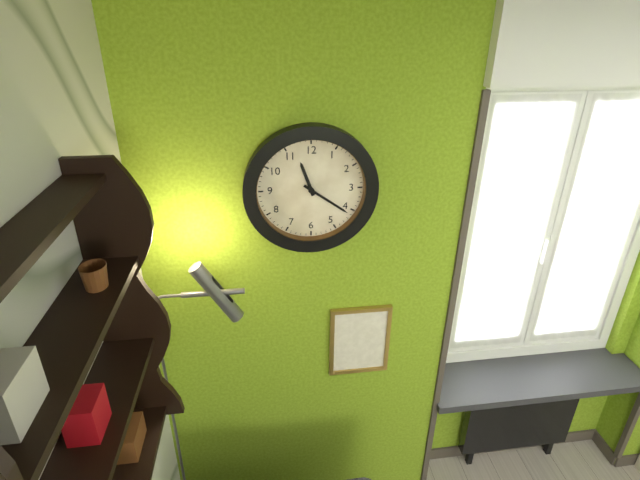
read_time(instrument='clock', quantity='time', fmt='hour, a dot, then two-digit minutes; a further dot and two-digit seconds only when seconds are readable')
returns 11.21
